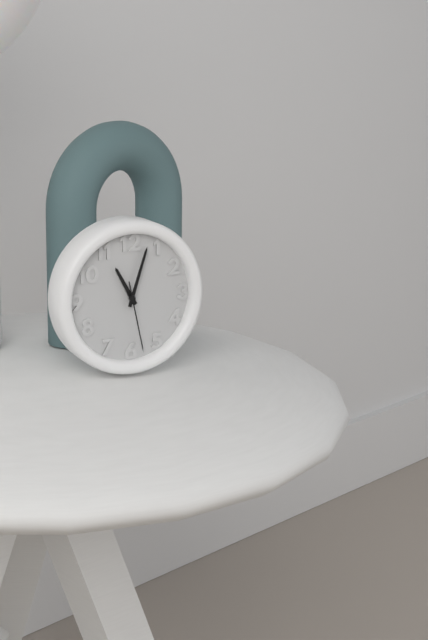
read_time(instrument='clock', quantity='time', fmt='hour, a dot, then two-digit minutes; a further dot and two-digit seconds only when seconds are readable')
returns 11.03.28
